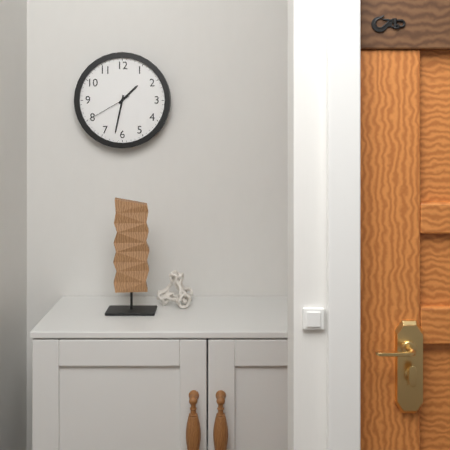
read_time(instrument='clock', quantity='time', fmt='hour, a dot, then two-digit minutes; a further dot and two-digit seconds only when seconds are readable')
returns 1.32
